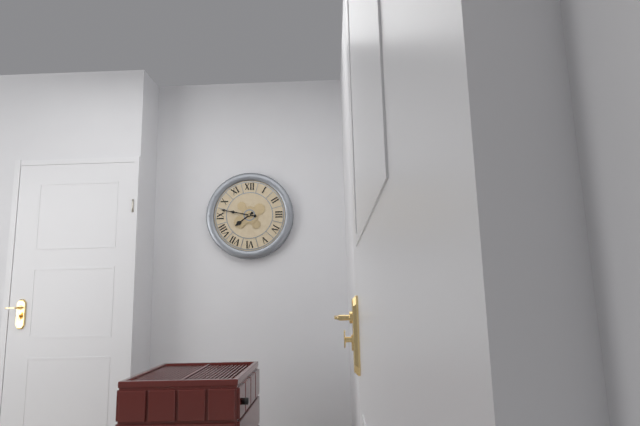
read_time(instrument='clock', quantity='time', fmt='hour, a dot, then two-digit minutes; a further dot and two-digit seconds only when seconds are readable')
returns 7.47
